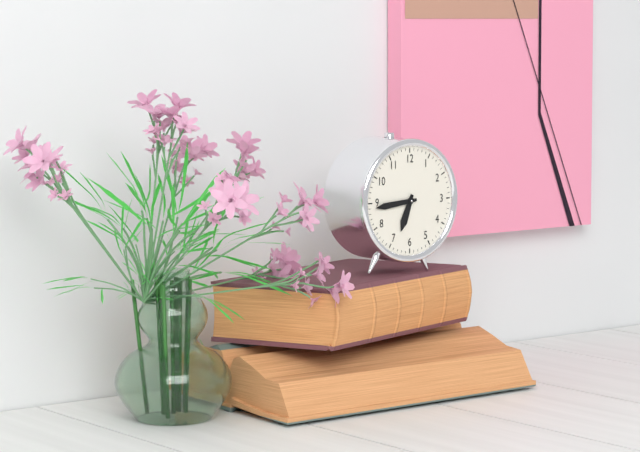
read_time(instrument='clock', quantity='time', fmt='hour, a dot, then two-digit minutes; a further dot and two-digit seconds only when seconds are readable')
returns 6.44
